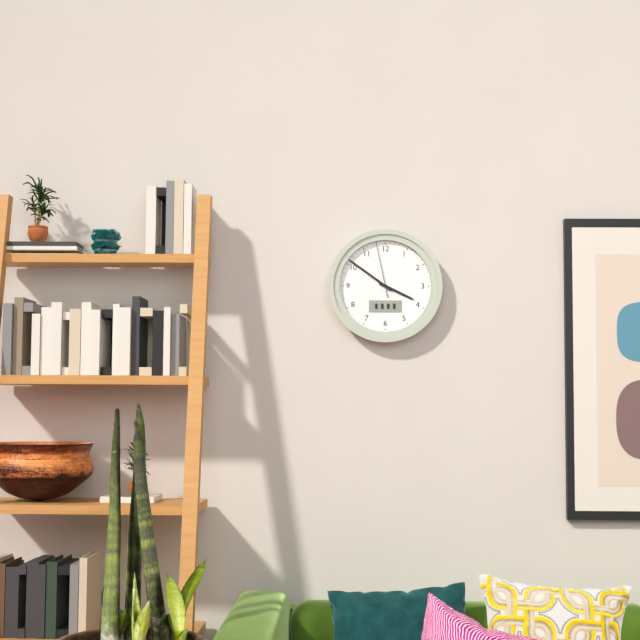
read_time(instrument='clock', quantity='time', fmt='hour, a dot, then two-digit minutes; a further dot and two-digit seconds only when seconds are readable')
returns 3.51.58
